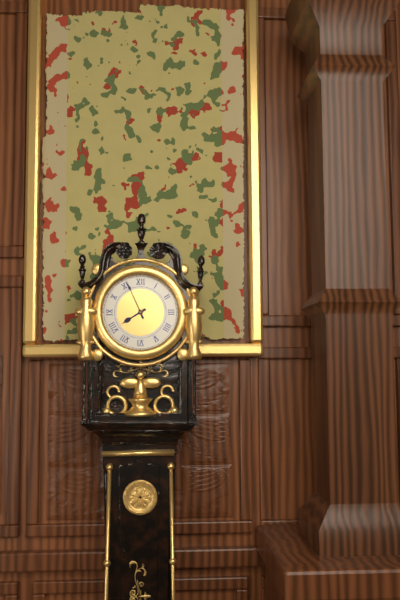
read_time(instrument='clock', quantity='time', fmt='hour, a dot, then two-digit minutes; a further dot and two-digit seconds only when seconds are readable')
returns 7.56
